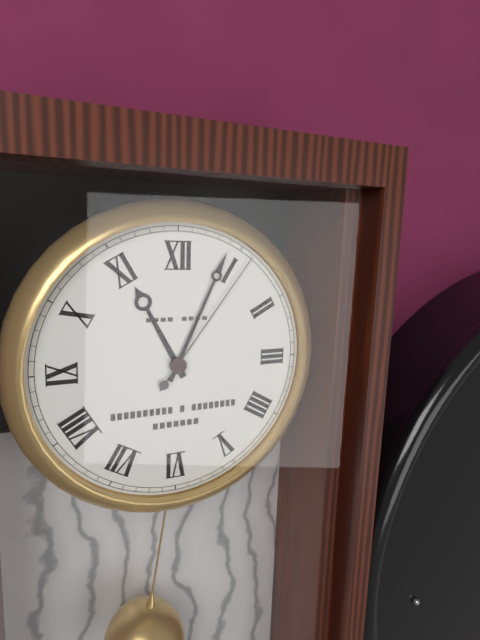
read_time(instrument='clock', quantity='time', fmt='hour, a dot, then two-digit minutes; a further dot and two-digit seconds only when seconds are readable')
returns 11.04.06
